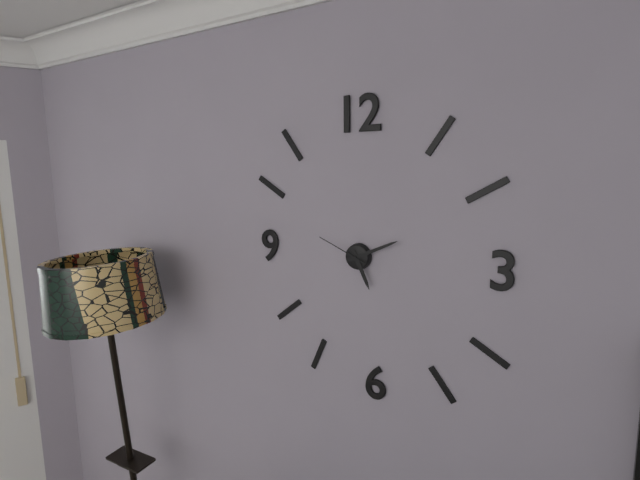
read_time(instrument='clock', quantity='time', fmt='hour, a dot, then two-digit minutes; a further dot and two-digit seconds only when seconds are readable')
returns 5.11.49
